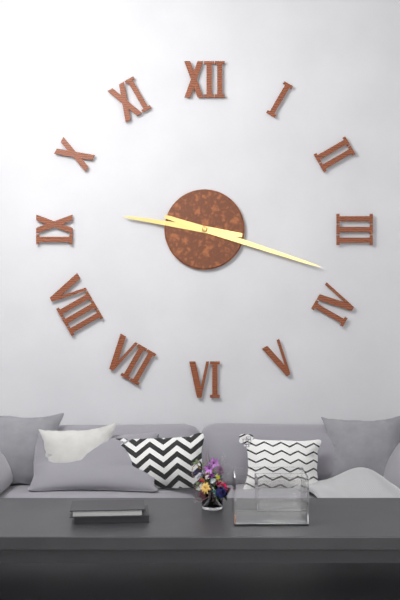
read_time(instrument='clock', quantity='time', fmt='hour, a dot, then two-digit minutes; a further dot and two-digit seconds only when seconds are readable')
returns 9.18
